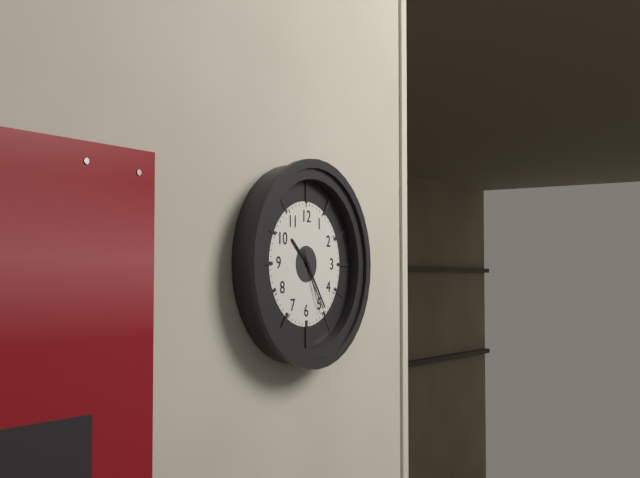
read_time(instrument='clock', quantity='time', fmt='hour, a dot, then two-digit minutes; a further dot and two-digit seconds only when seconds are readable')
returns 10.24.26
